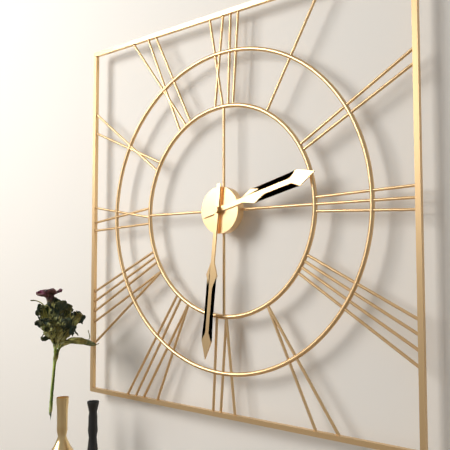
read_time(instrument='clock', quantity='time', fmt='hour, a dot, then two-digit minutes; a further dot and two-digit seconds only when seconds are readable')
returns 2.31
